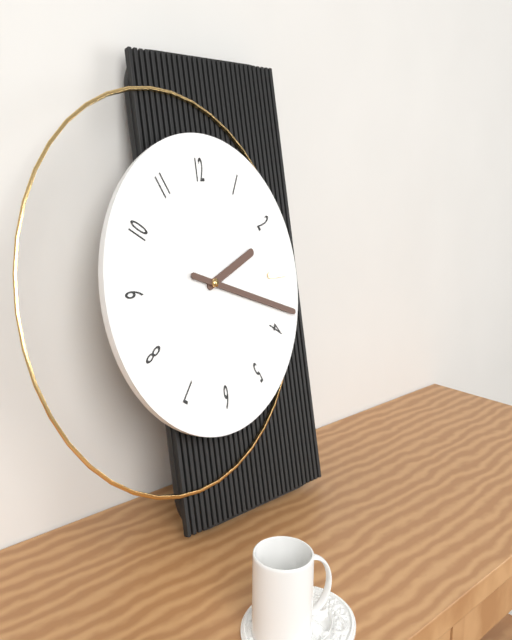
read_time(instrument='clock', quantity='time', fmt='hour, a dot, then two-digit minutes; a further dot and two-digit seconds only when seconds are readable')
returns 2.18
